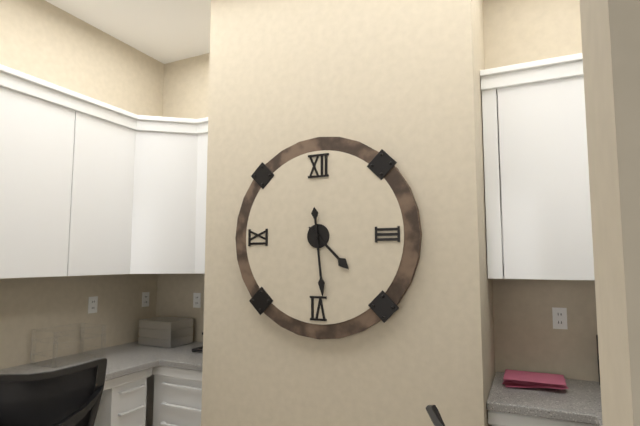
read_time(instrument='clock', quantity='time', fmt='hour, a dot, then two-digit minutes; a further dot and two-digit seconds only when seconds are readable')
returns 4.29
